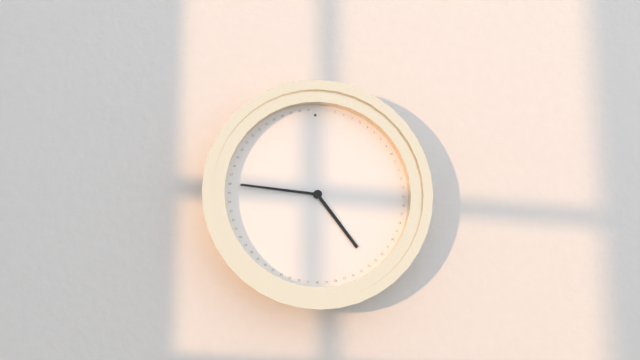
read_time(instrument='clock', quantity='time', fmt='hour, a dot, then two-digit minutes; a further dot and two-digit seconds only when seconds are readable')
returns 4.46
